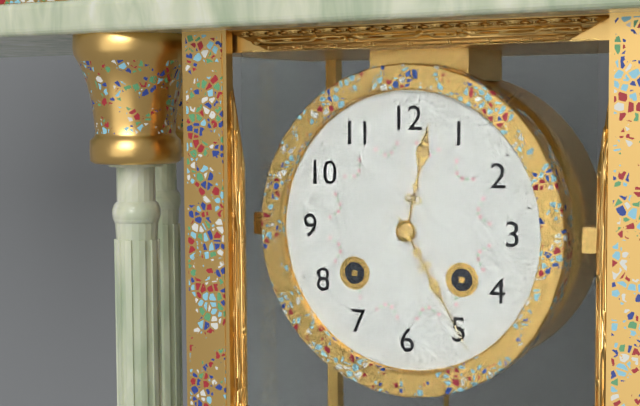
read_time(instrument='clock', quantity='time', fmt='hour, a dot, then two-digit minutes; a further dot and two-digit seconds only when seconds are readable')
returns 12.25
